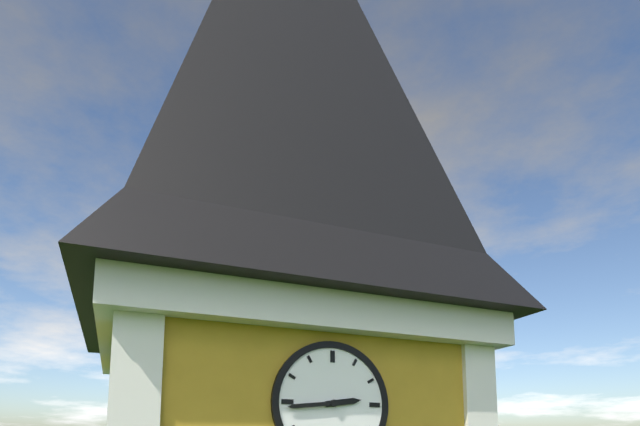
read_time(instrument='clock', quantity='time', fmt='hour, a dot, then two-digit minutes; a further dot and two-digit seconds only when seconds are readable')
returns 2.44
